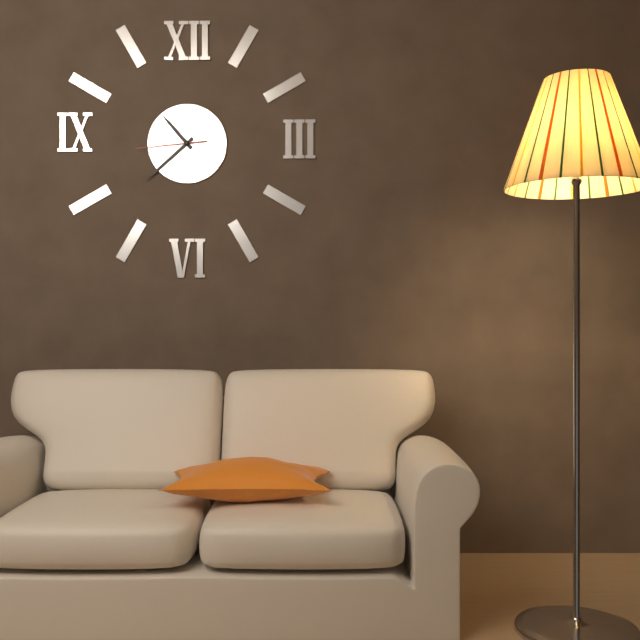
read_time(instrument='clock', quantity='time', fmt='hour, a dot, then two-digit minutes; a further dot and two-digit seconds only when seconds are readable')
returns 10.38.44
